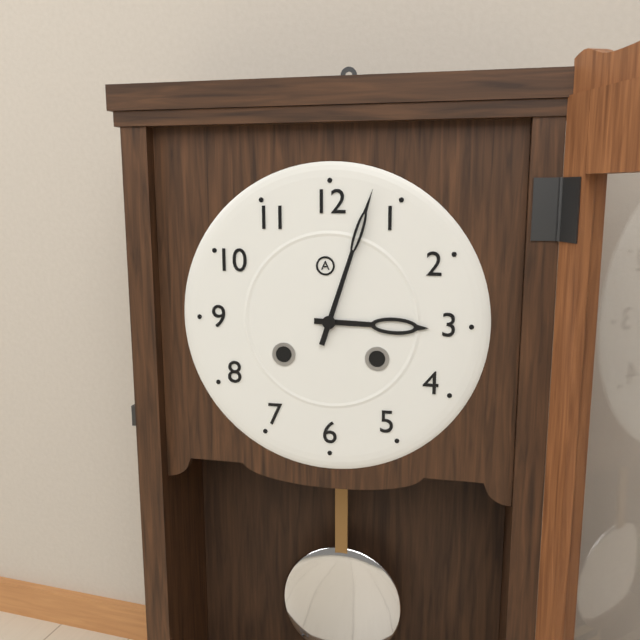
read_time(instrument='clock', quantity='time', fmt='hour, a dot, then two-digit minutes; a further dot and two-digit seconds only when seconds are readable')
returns 3.03
